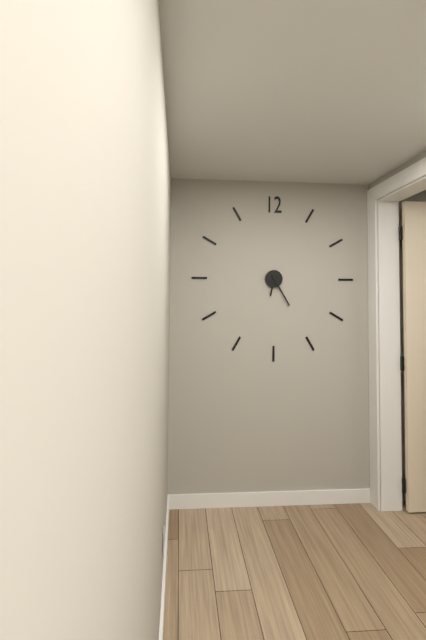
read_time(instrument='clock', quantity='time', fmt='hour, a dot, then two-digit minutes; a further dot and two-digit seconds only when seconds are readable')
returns 6.25
